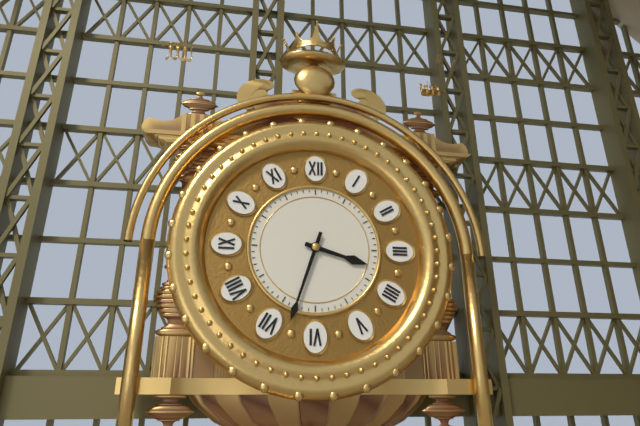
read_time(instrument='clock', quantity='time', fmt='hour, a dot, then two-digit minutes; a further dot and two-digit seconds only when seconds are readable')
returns 3.33
